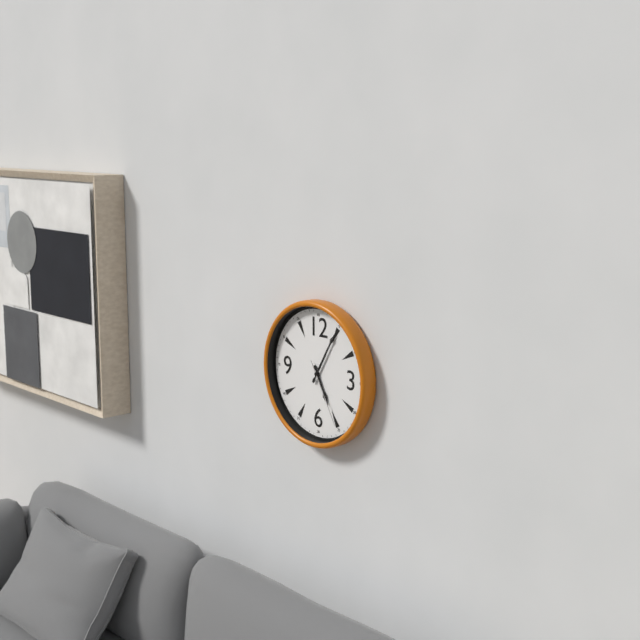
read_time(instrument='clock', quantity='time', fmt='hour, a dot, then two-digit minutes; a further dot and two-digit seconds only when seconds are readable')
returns 5.05.25
